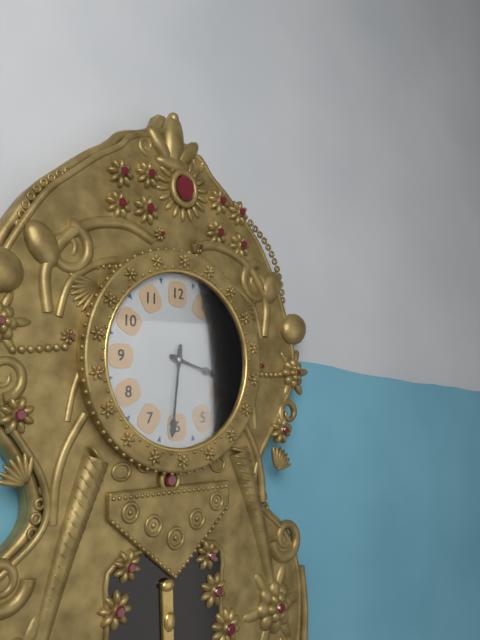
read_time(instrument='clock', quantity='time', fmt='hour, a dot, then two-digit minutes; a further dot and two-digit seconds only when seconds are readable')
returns 3.31
